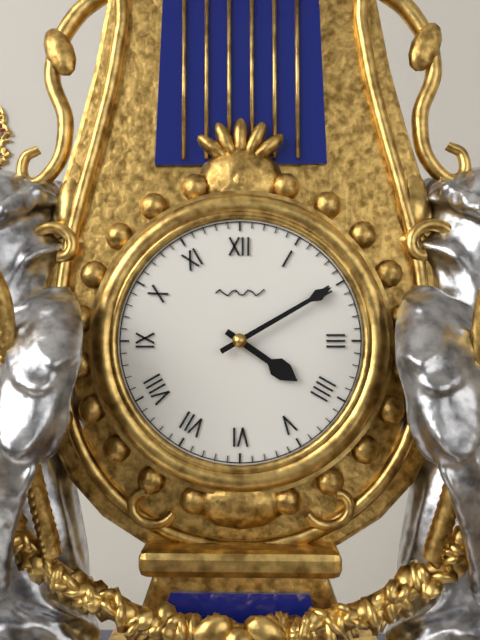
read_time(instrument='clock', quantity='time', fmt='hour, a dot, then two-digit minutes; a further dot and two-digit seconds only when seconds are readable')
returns 4.10
